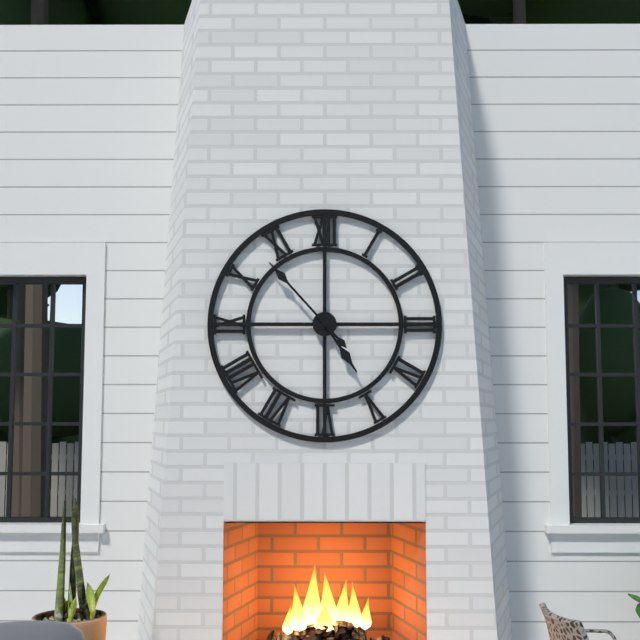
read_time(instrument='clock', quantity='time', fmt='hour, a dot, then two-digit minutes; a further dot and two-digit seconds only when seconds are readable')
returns 4.53
